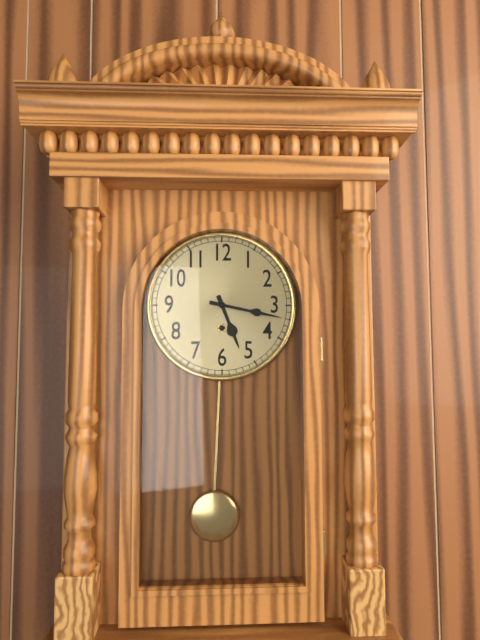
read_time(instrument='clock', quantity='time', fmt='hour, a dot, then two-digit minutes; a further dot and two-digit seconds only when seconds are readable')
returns 5.17
